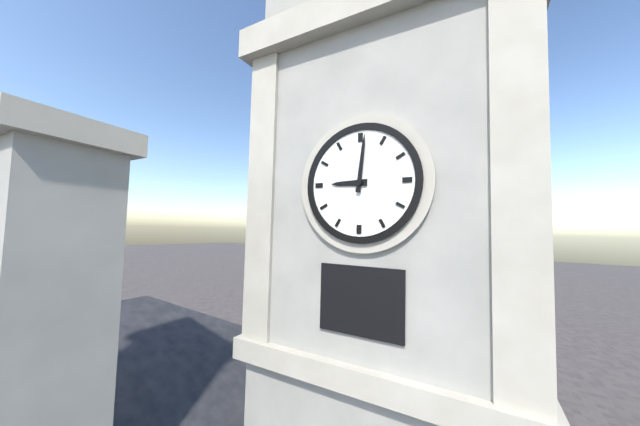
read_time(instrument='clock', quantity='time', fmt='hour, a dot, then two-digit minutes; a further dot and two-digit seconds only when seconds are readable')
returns 9.01
